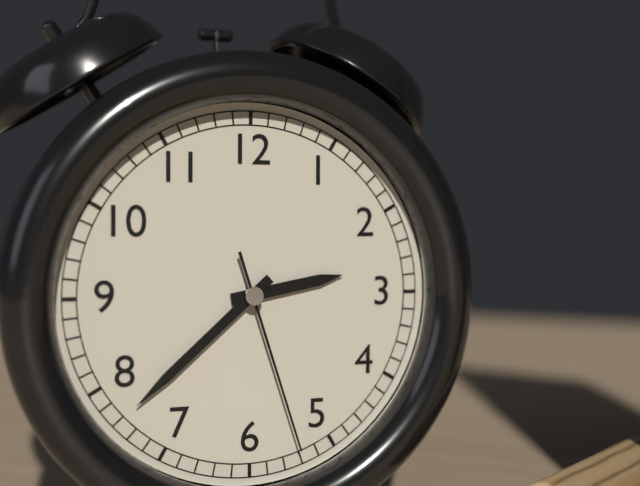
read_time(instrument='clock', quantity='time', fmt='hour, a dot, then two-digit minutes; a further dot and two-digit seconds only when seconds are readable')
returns 2.38.27
